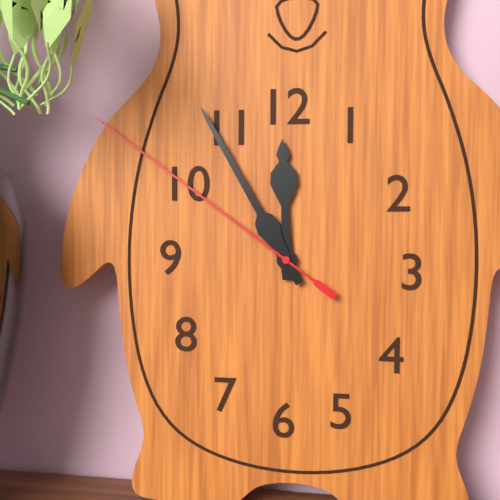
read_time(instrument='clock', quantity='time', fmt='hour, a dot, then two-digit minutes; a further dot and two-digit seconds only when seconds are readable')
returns 11.55.51
